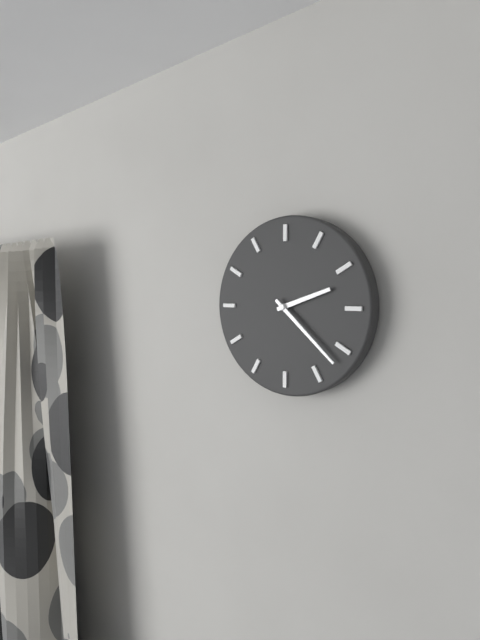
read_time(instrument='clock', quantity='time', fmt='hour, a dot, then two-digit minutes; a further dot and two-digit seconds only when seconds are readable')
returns 2.22
